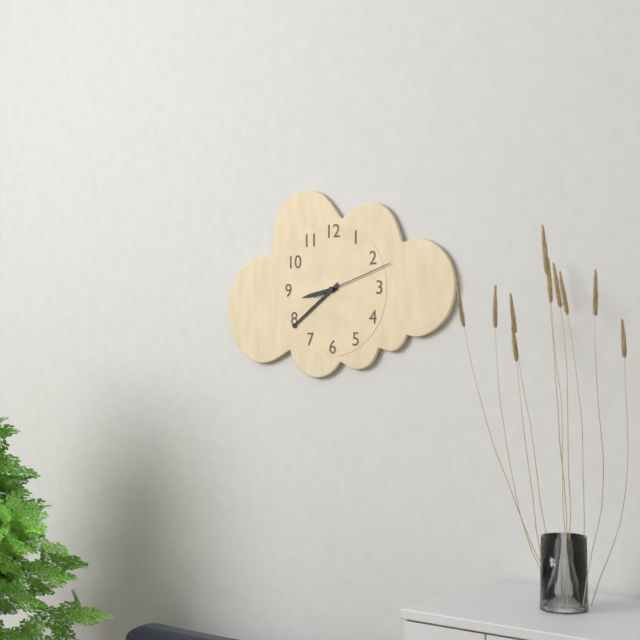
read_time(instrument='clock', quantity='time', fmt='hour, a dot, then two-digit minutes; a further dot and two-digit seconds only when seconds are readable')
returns 8.39.12
